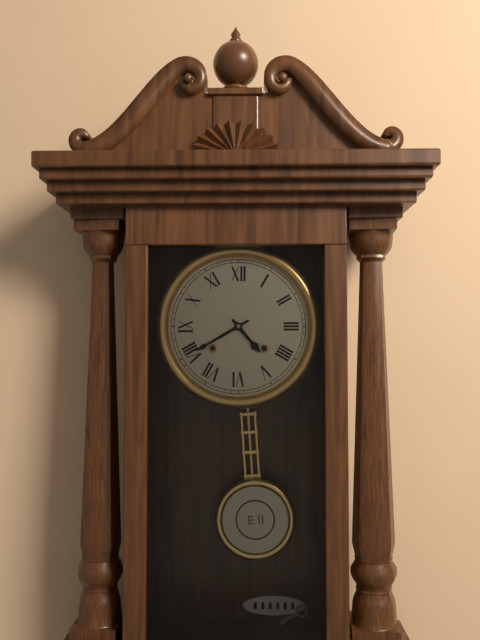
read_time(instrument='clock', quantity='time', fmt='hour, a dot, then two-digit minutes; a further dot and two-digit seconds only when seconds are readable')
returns 4.40
